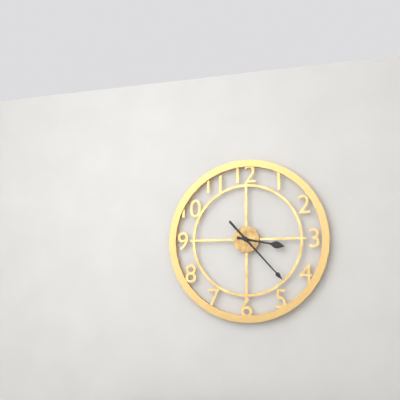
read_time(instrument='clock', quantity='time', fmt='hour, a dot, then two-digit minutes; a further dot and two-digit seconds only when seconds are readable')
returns 3.23
